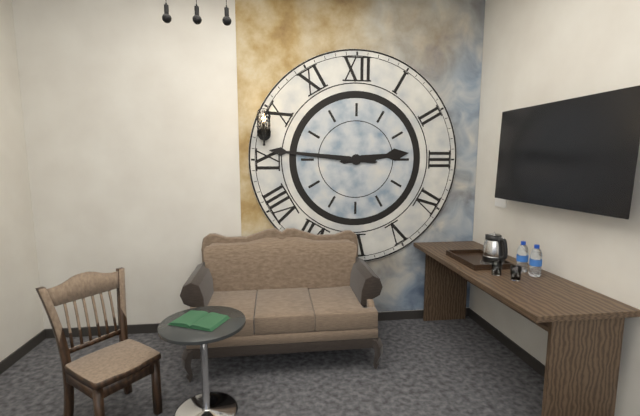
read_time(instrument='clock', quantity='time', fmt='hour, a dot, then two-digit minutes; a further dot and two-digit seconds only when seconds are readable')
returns 2.46
